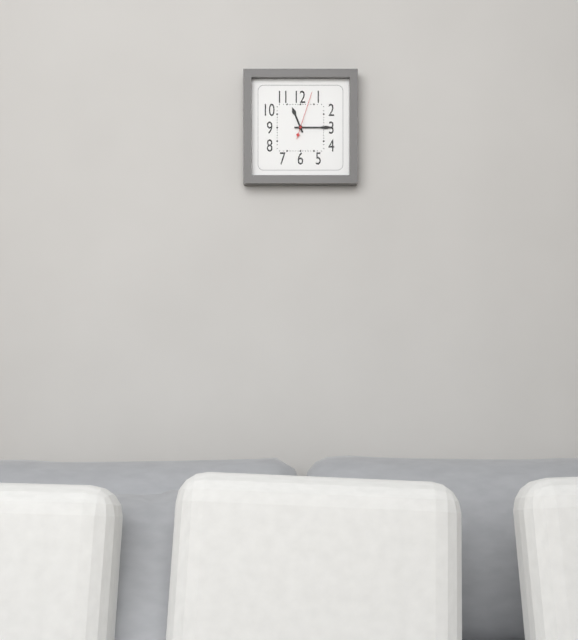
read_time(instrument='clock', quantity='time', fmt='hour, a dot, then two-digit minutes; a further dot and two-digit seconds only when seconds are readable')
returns 11.15
